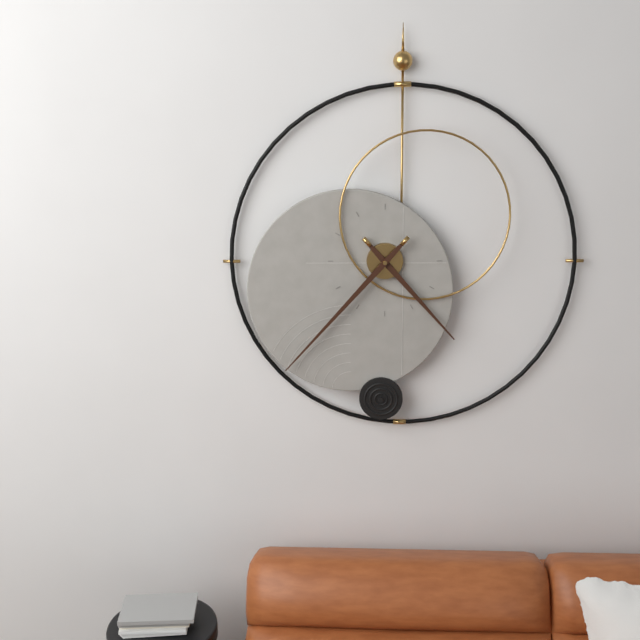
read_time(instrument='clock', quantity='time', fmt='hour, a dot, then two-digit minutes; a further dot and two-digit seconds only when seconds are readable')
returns 4.37
